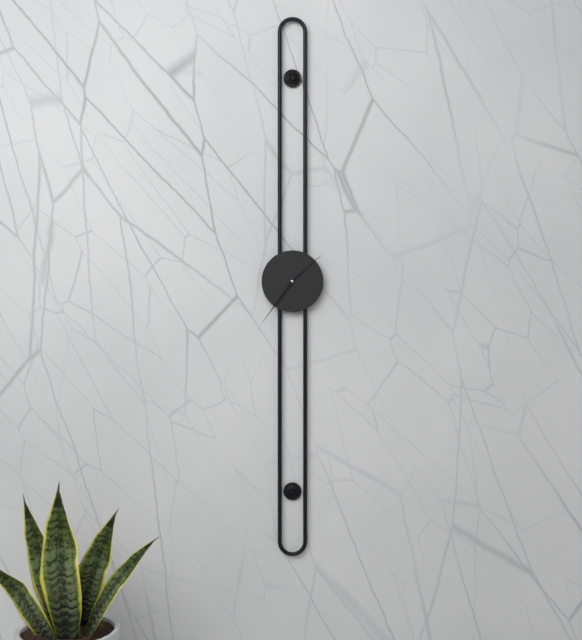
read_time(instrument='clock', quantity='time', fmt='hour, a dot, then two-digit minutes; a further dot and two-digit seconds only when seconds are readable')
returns 1.36
